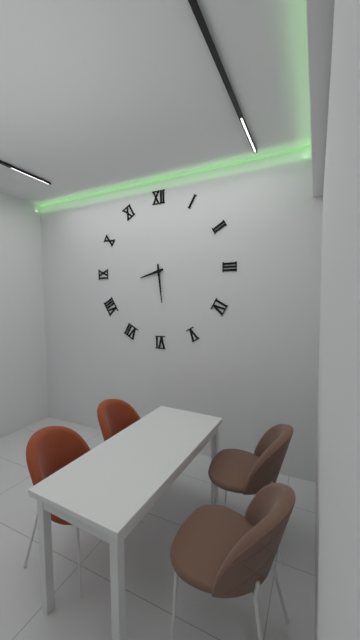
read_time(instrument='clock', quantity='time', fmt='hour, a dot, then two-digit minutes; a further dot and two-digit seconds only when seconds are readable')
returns 8.29
